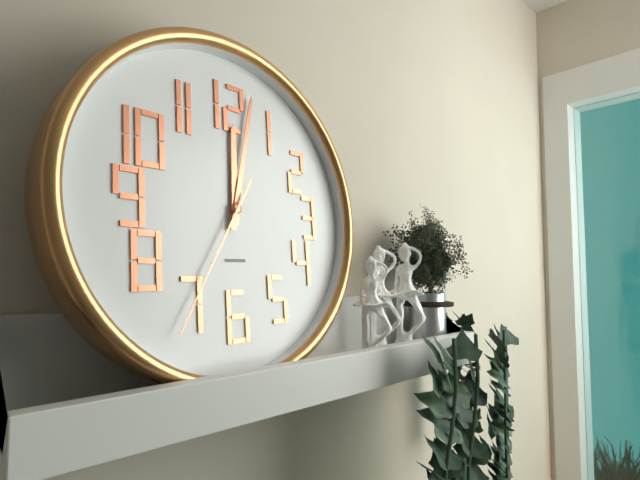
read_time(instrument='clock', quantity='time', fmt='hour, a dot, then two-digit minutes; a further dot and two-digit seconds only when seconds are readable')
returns 12.02.35
